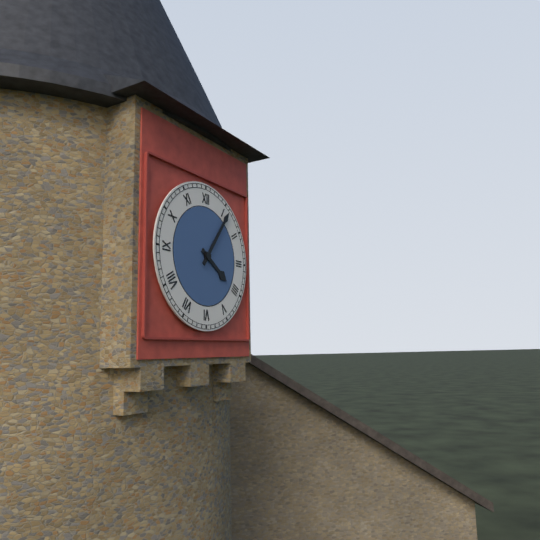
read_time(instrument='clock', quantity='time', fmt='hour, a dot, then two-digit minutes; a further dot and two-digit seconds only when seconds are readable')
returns 4.06
